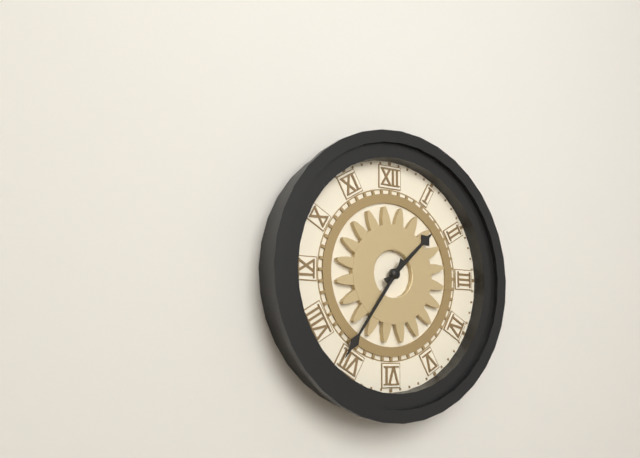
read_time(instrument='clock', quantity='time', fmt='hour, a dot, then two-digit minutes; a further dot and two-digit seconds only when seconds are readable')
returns 1.36
